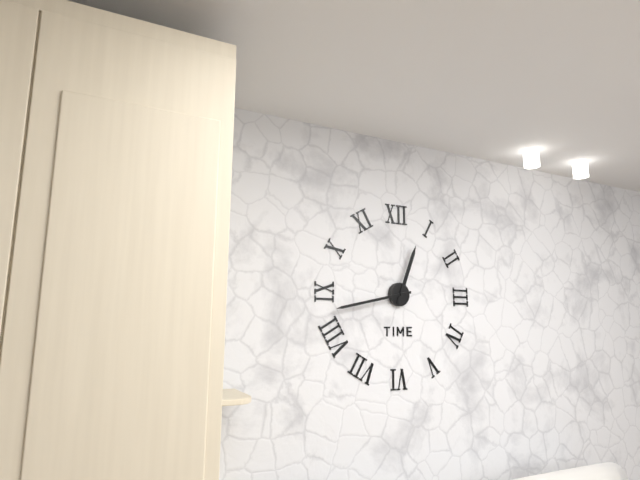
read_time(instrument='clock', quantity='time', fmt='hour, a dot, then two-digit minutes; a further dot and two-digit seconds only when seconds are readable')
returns 12.43
